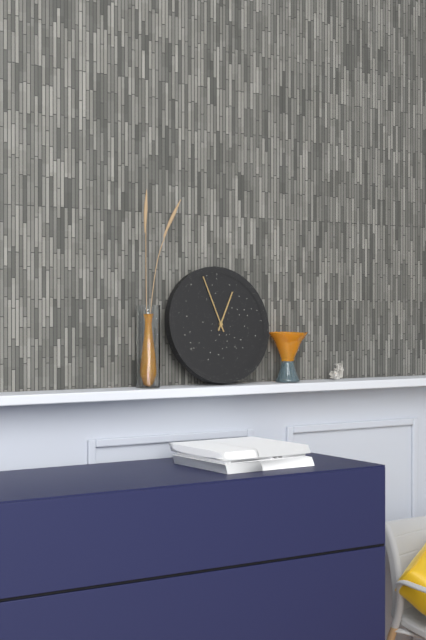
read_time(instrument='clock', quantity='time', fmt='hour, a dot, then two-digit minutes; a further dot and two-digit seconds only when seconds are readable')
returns 12.57
